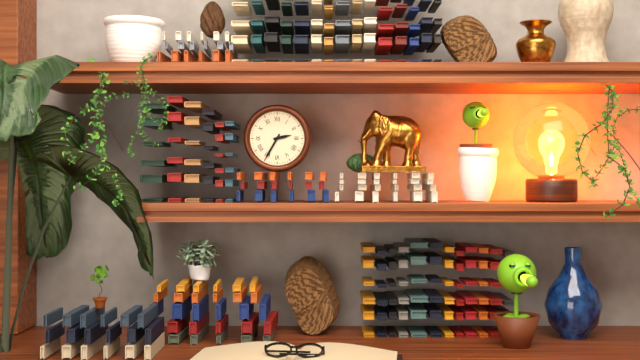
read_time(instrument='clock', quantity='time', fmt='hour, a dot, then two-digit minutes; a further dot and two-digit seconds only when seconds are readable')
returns 2.35
